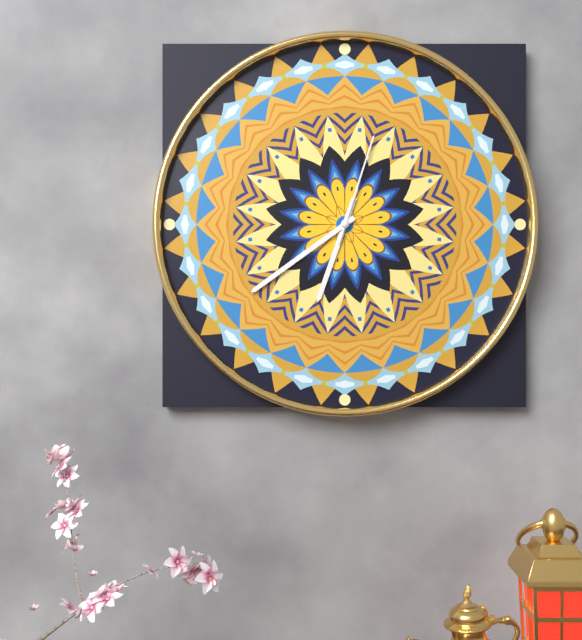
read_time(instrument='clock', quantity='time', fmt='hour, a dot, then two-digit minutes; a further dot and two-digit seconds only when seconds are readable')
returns 6.39.03
